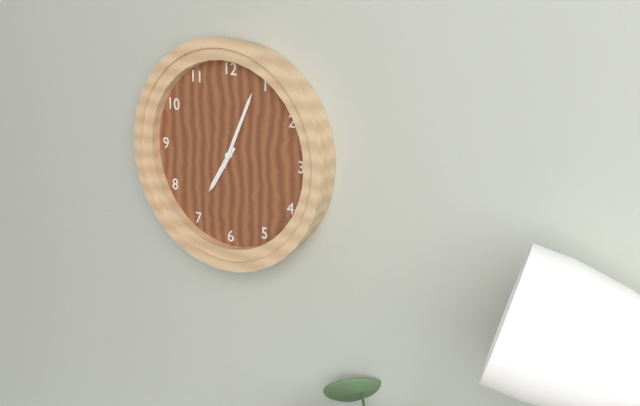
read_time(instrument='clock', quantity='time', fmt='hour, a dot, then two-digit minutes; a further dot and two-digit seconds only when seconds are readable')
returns 7.04
